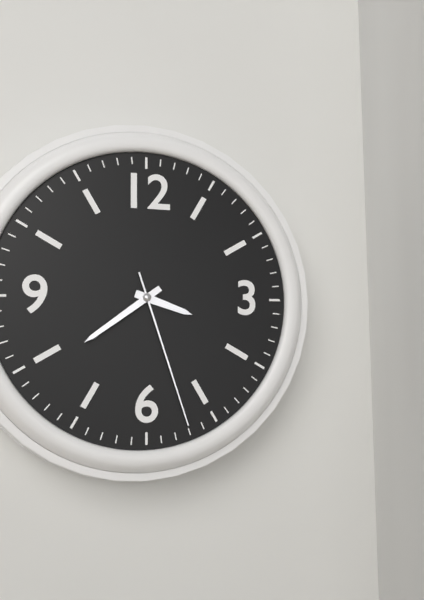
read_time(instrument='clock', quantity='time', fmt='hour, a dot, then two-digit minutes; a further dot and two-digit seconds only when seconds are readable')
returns 3.39.27
